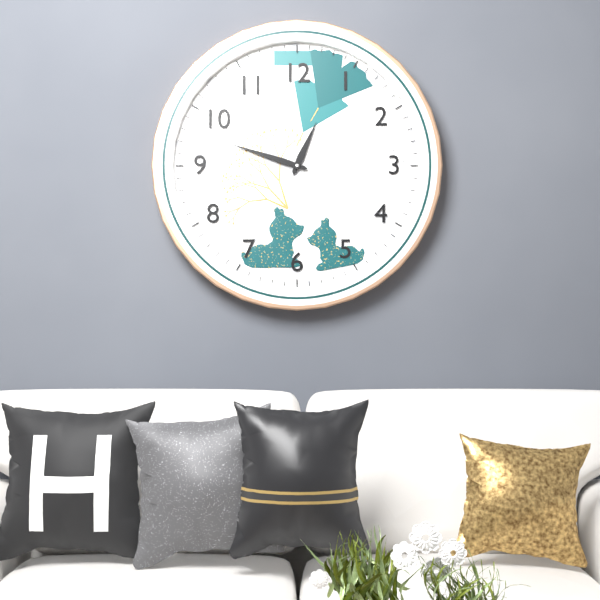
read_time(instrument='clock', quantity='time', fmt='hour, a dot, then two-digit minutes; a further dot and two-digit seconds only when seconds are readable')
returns 12.48
